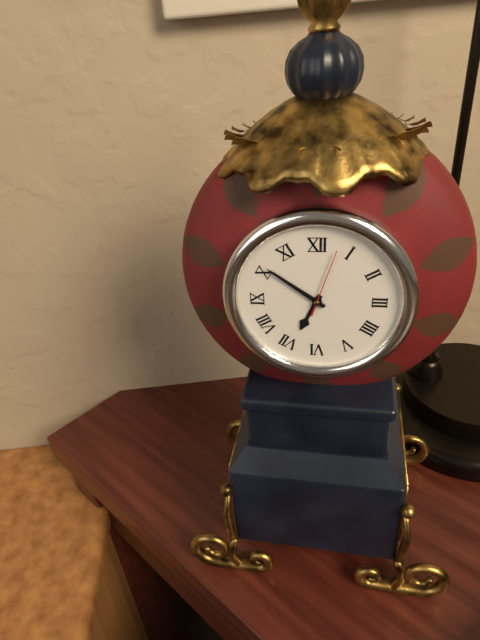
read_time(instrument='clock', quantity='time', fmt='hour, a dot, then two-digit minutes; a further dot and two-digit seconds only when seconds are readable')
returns 6.51.03
